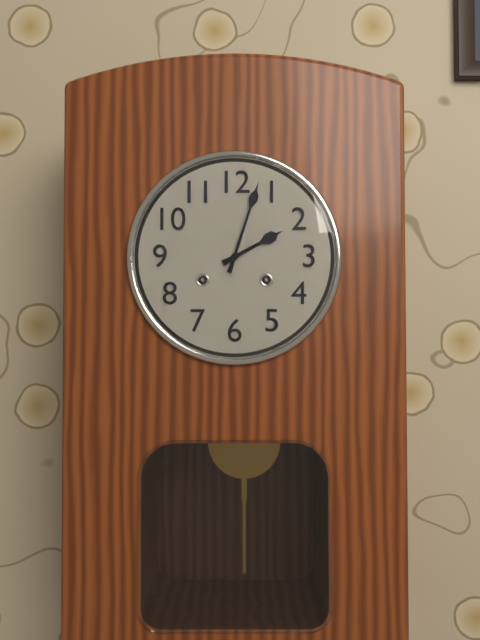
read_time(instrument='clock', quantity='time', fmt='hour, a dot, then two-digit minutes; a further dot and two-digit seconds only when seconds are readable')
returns 2.03
